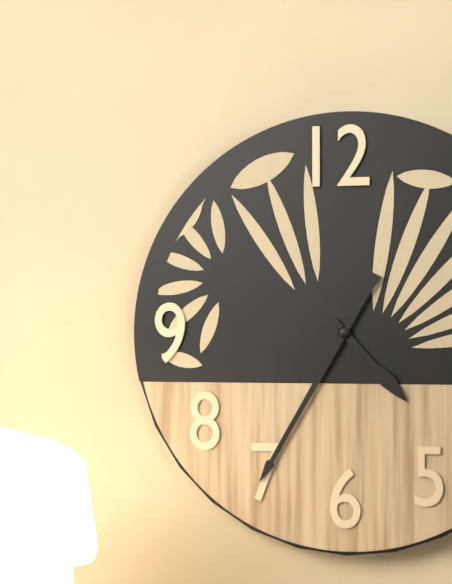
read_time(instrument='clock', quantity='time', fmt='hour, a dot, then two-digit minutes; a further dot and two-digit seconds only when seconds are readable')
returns 4.35
